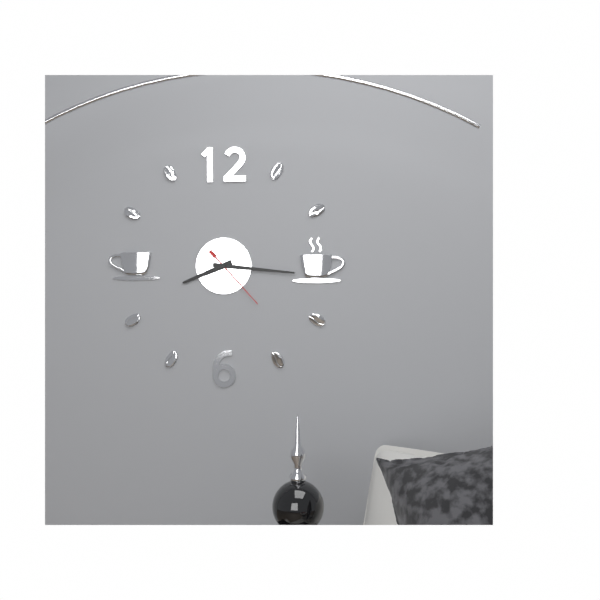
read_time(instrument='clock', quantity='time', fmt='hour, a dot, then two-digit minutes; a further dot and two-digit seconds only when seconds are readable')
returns 8.16.23
